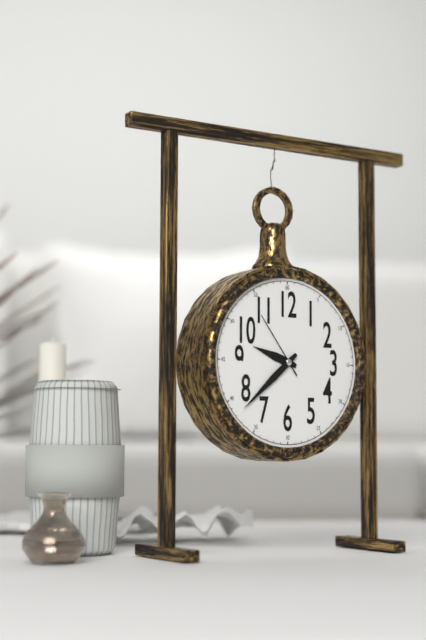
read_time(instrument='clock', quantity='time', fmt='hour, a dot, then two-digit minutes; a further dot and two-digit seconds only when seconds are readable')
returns 9.38.54
